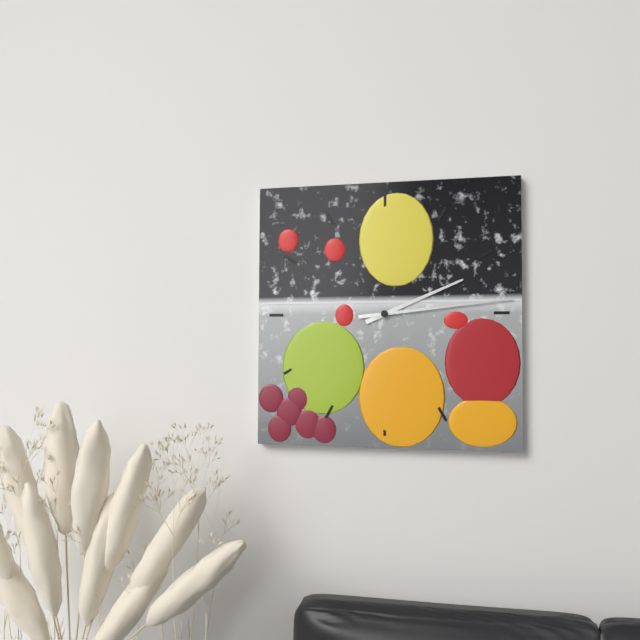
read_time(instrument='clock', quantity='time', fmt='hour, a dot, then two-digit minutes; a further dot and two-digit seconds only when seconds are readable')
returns 2.14
